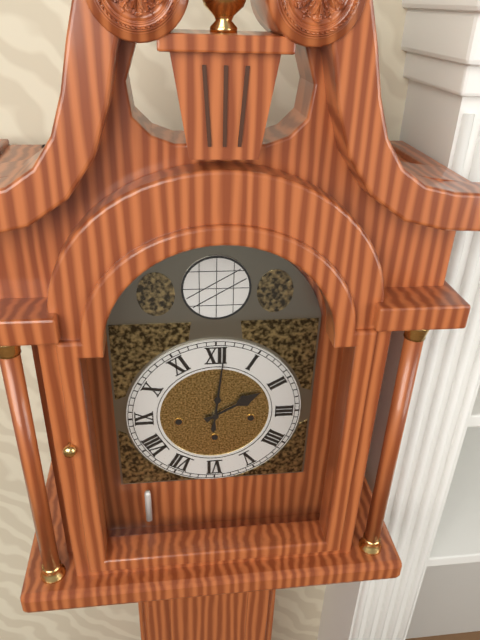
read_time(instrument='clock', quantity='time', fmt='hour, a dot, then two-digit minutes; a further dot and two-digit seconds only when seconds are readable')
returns 2.01
